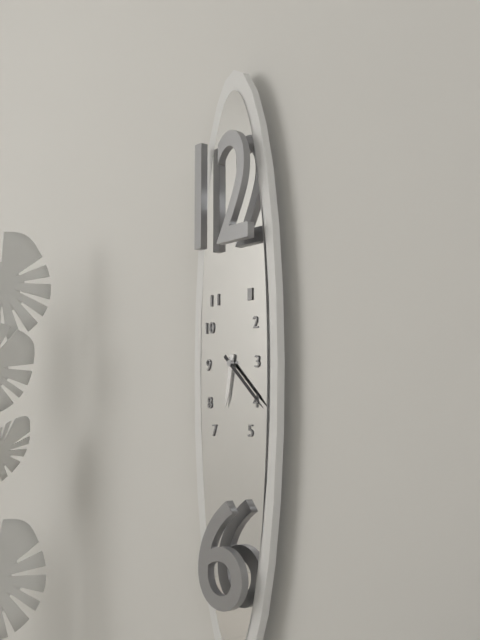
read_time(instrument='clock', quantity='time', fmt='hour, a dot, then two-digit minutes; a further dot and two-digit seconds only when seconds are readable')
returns 6.22
